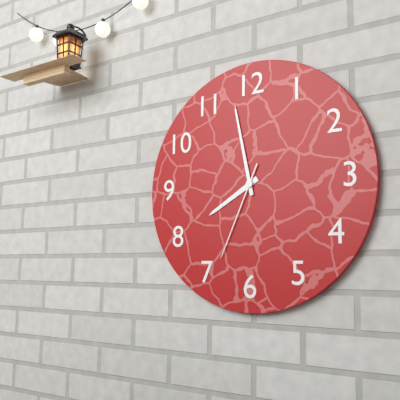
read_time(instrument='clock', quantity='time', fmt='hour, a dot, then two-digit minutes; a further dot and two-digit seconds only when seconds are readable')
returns 7.58.34
